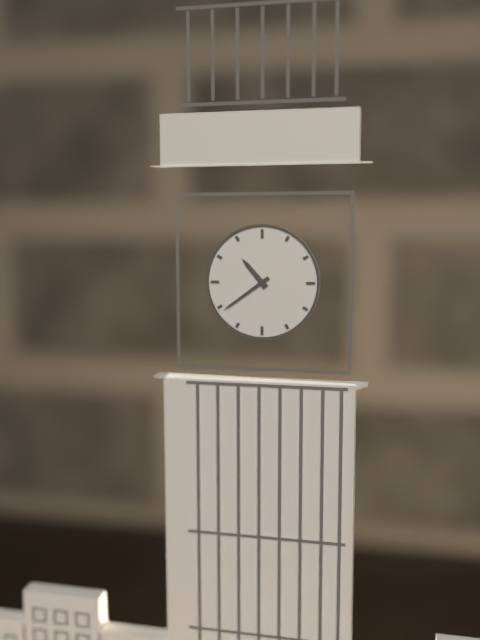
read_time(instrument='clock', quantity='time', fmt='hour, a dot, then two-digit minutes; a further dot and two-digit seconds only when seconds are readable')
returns 10.39
